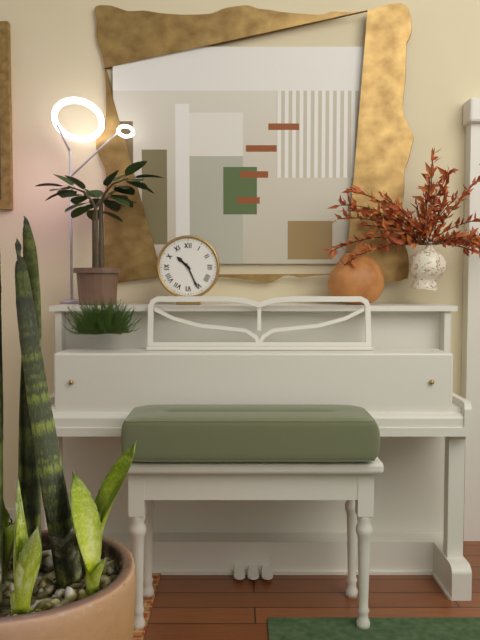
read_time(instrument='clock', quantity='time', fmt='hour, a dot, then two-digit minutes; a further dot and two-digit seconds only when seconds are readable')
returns 10.26
